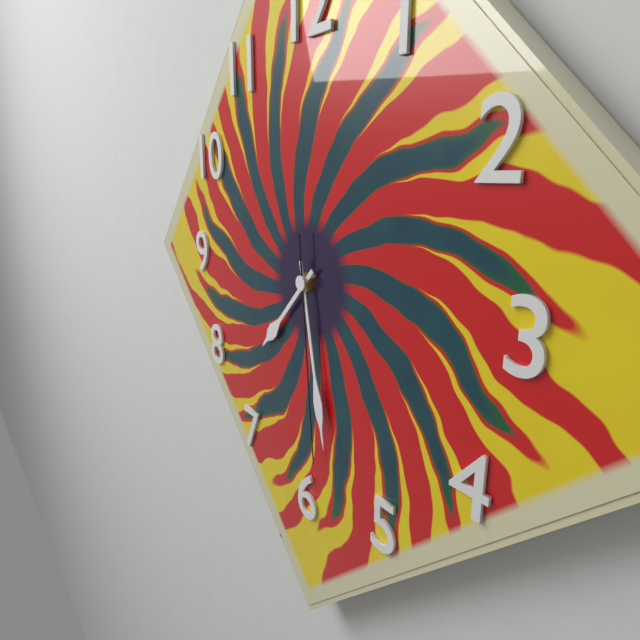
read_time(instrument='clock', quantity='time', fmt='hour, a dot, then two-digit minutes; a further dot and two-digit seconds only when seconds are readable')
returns 7.28.29
